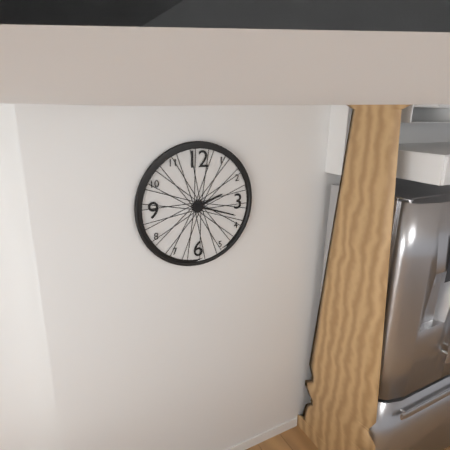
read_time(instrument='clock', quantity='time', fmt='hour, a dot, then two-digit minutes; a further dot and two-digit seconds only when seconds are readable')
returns 2.18
